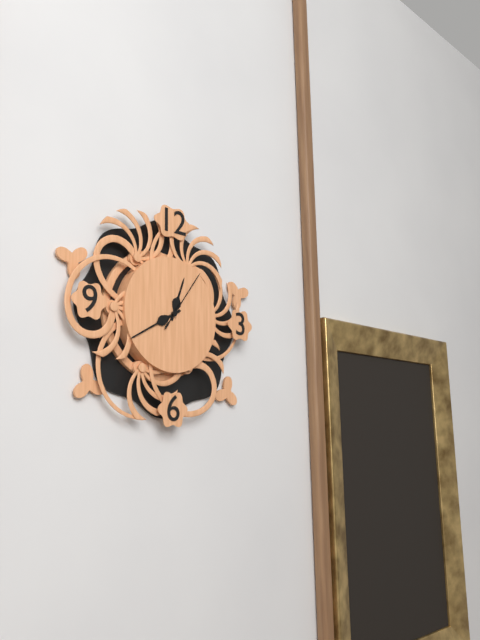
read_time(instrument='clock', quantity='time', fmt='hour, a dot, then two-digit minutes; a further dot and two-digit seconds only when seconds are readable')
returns 12.40.06
